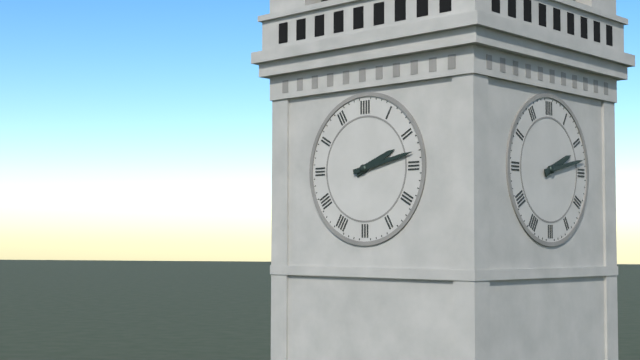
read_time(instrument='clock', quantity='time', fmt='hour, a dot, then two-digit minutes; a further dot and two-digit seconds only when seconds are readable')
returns 2.13
